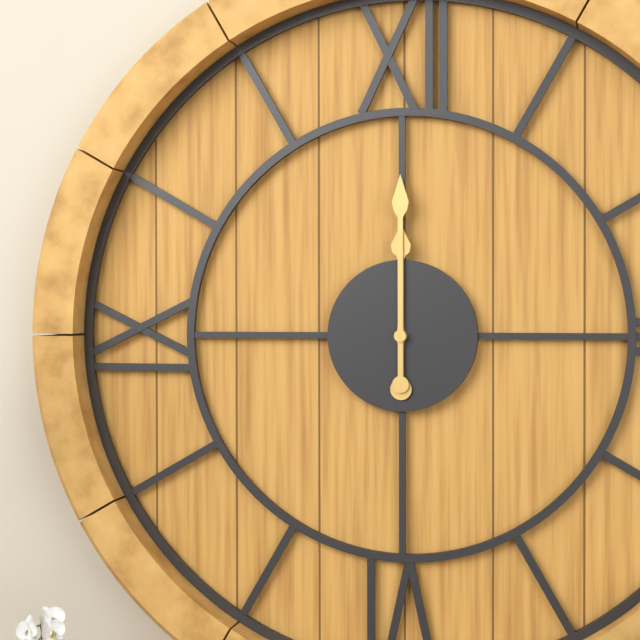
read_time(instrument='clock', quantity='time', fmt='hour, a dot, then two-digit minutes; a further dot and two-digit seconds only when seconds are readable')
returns 12.00
